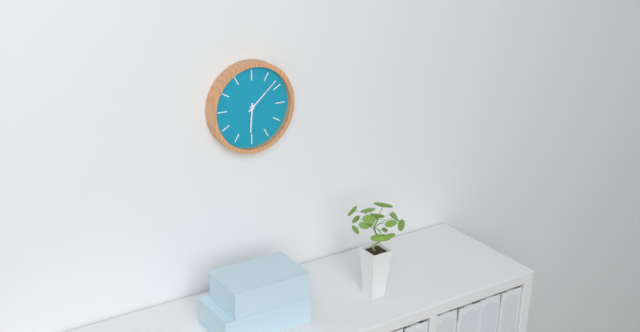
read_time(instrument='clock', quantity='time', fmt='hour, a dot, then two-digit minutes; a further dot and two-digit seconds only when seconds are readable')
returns 6.08
